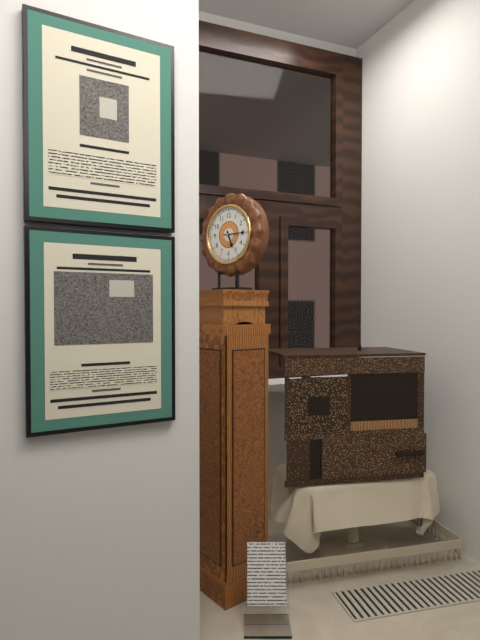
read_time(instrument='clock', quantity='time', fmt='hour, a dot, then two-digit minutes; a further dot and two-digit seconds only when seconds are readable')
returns 5.15
